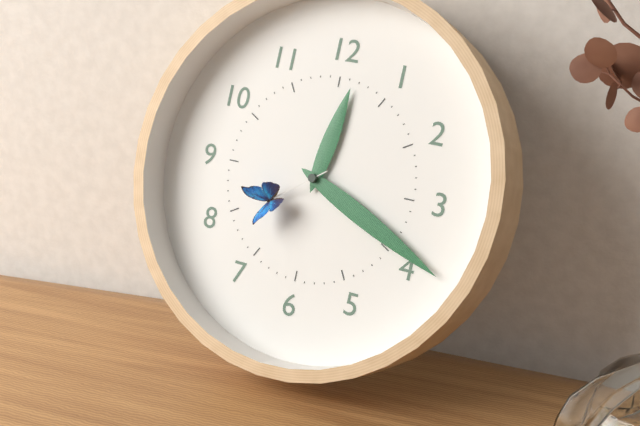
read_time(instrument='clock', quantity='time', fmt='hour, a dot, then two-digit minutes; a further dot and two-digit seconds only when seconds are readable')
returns 12.19.39
